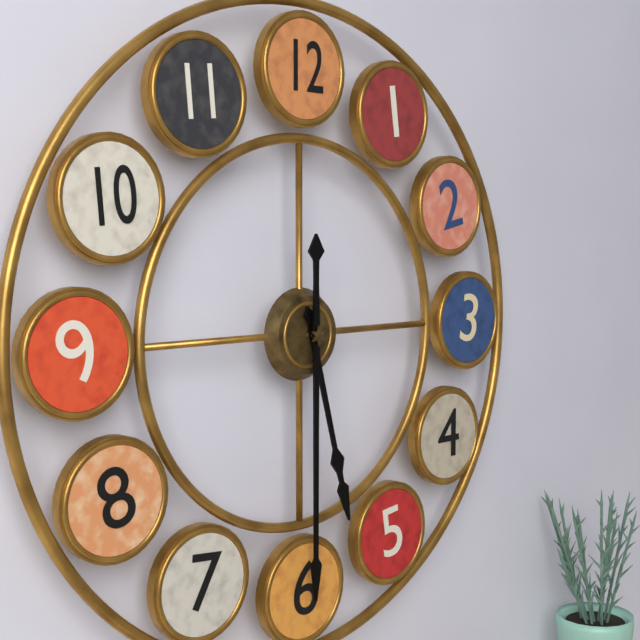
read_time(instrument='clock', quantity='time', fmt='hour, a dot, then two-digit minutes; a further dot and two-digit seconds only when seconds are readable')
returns 5.30
